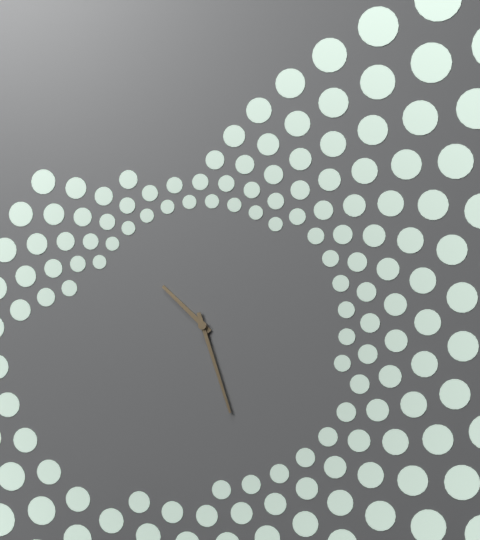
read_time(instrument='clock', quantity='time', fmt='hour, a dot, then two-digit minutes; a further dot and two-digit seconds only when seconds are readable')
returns 10.27
